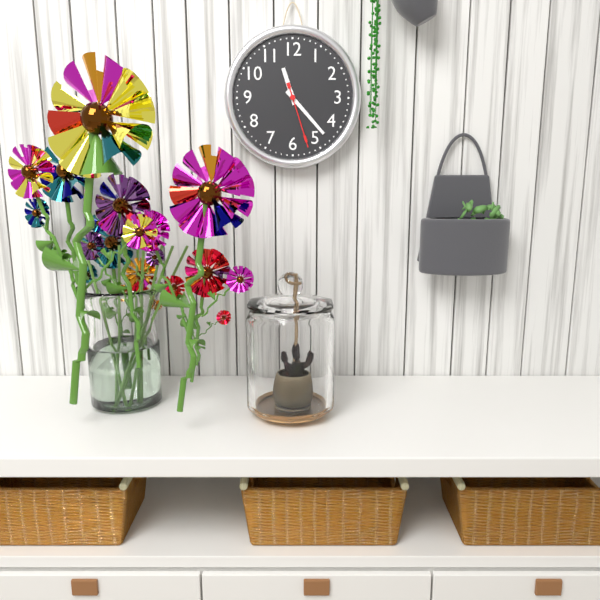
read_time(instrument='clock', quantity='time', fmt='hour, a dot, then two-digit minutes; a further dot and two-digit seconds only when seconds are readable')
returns 11.23.27
